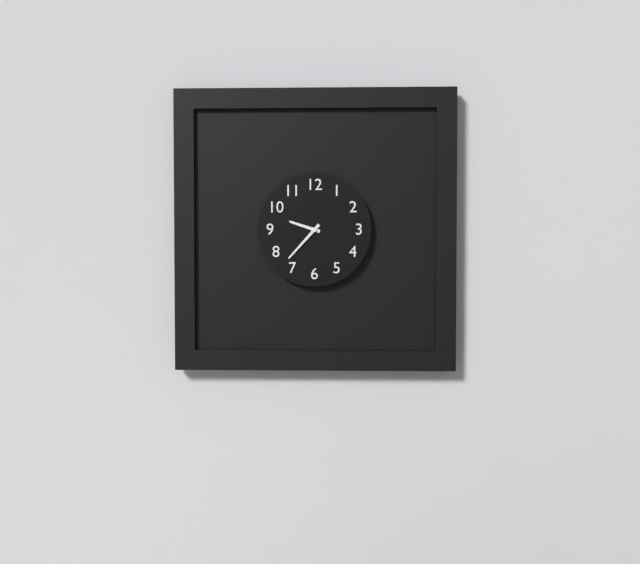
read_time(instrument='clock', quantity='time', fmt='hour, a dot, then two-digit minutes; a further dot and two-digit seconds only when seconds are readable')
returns 9.37
